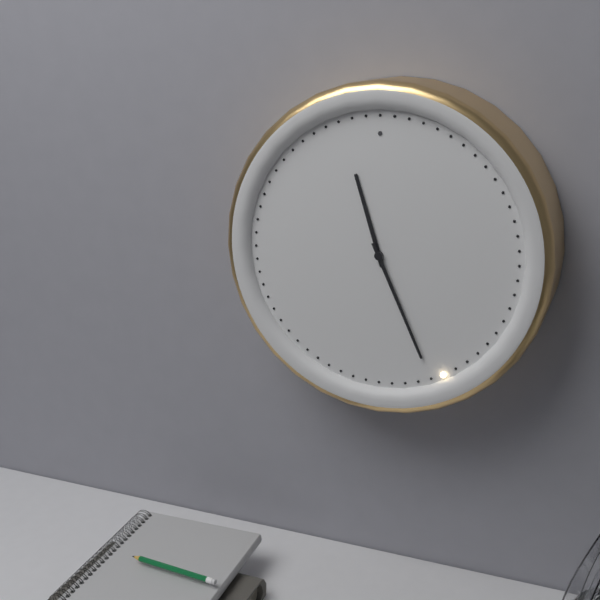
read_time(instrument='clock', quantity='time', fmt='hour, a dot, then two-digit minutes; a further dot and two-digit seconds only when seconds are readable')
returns 11.26
